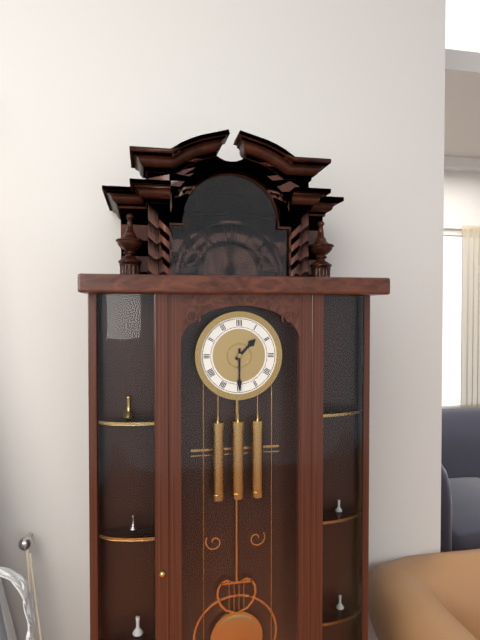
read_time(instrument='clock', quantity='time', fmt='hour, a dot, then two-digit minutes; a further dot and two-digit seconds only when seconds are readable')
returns 1.30
